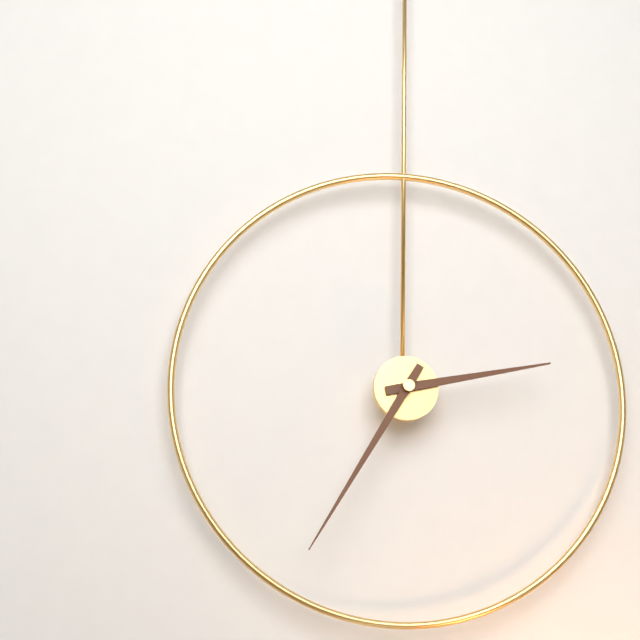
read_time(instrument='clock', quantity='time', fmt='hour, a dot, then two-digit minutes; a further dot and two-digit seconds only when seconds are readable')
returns 2.35
